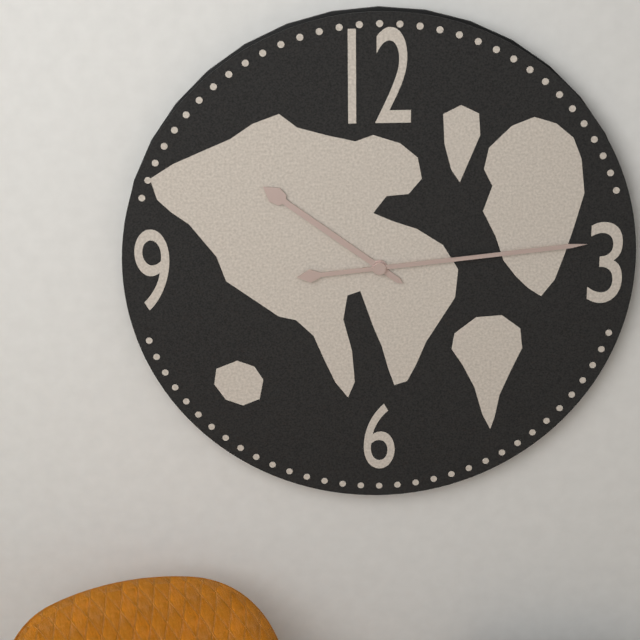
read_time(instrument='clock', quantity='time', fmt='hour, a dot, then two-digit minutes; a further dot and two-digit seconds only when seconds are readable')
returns 10.14
